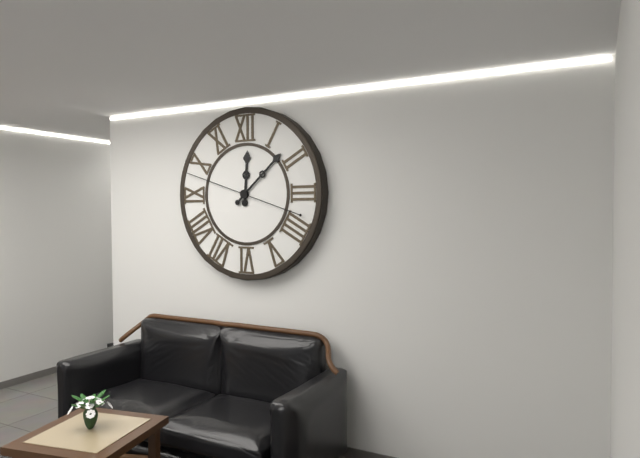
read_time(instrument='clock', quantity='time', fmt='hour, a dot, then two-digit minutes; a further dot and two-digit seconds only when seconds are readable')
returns 12.08.48
